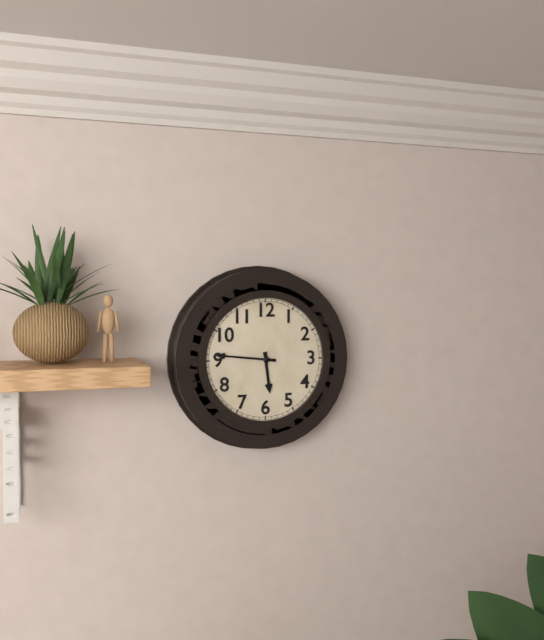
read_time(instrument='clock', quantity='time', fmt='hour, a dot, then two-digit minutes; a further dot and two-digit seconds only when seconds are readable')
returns 5.46
